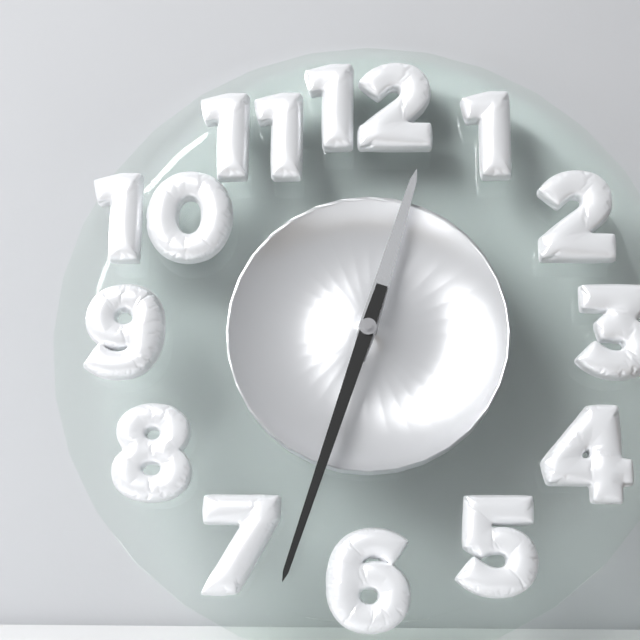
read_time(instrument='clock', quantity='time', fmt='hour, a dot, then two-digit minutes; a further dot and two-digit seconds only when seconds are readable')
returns 12.33
